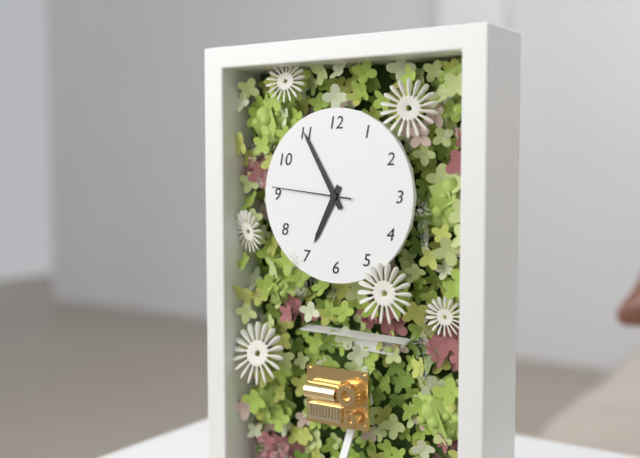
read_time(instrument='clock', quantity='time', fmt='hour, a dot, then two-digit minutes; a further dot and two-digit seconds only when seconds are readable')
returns 6.55.46
